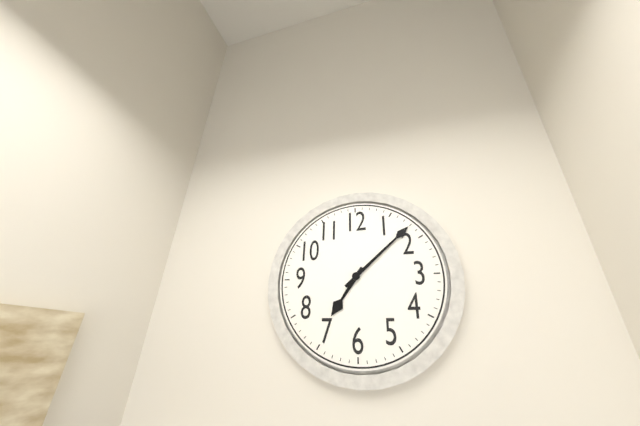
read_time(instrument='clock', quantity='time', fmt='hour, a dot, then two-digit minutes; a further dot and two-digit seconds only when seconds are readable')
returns 7.08
